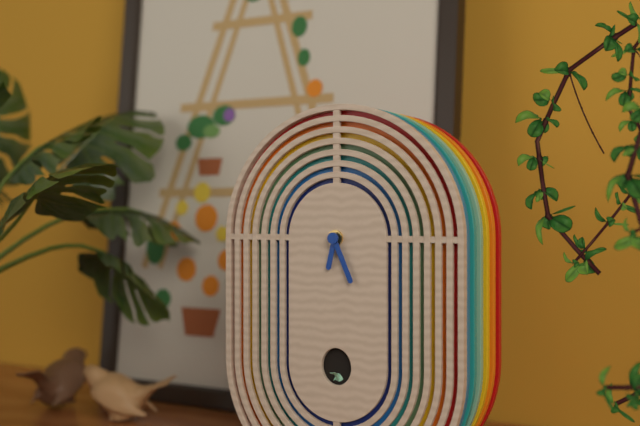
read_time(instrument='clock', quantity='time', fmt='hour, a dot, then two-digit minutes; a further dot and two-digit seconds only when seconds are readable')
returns 6.26
